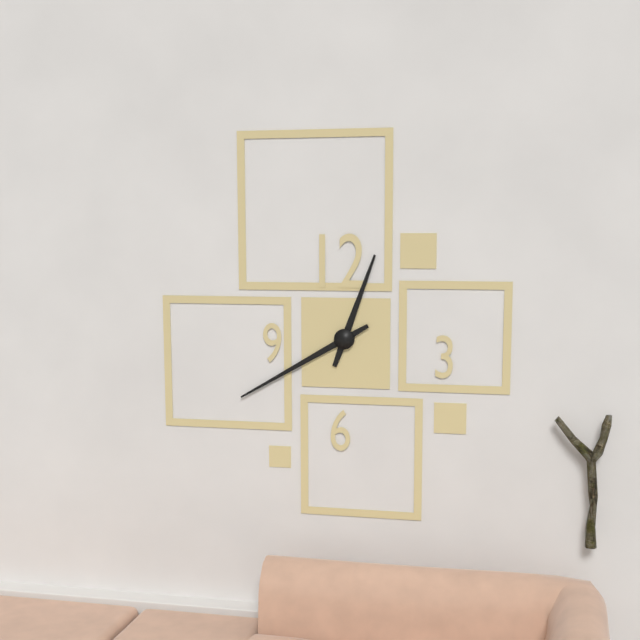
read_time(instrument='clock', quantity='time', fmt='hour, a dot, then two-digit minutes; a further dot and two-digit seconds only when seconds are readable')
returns 12.40
